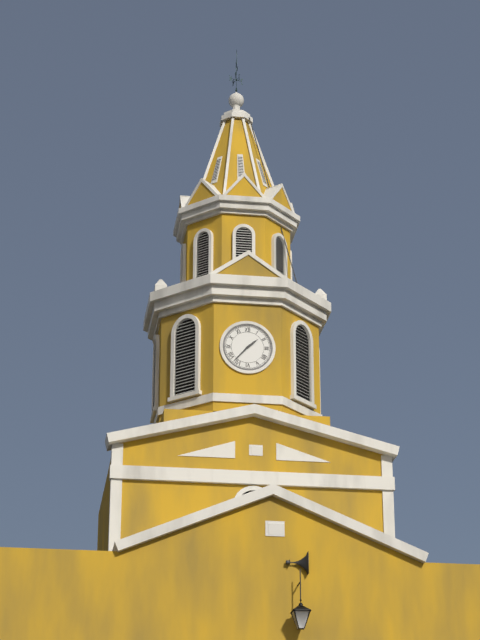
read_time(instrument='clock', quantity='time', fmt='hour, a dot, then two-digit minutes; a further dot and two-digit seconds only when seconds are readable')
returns 1.37
